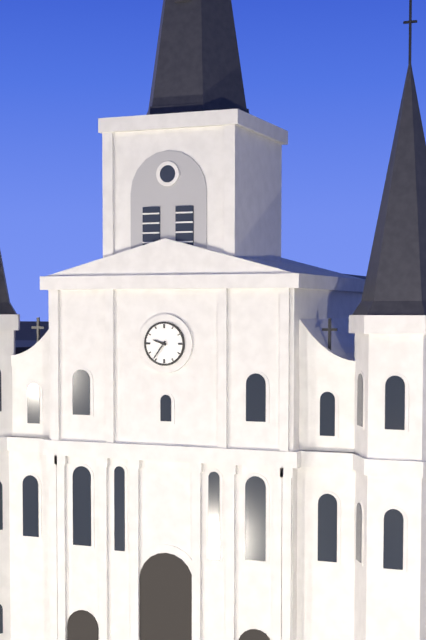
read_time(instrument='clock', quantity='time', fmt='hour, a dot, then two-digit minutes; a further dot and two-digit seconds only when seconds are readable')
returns 9.36
